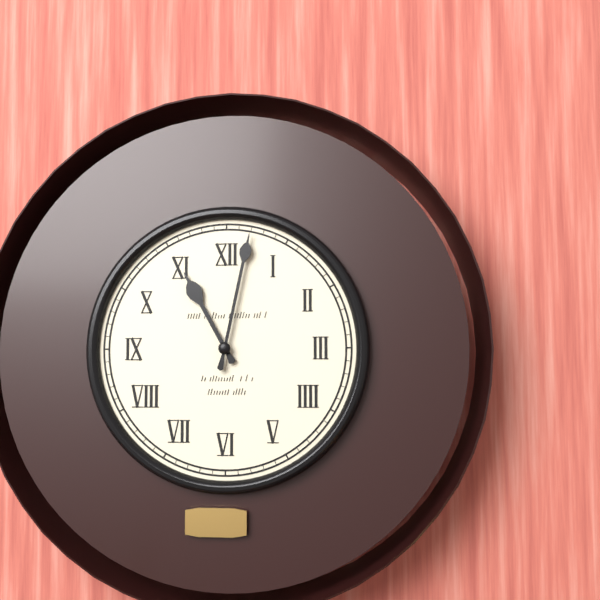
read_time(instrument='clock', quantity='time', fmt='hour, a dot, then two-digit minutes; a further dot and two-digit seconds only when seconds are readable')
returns 11.02
